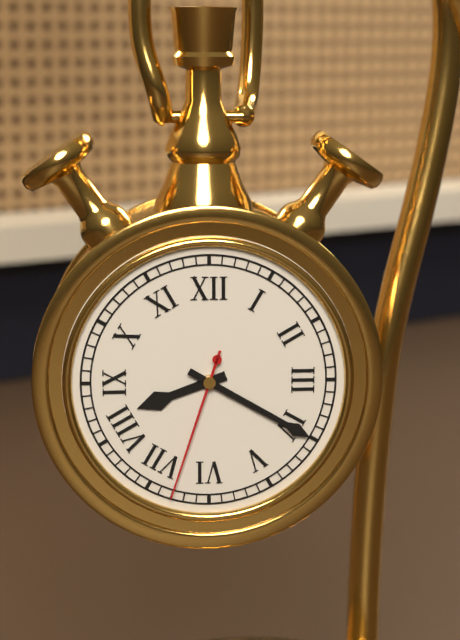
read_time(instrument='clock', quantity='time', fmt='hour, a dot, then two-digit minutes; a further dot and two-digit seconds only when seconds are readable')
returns 8.20.33
